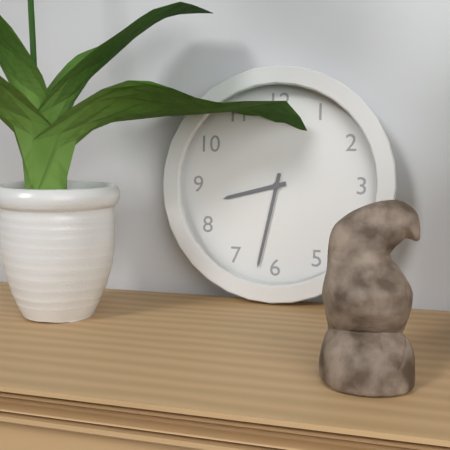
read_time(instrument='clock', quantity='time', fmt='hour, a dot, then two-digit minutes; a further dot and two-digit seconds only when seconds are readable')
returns 8.32
